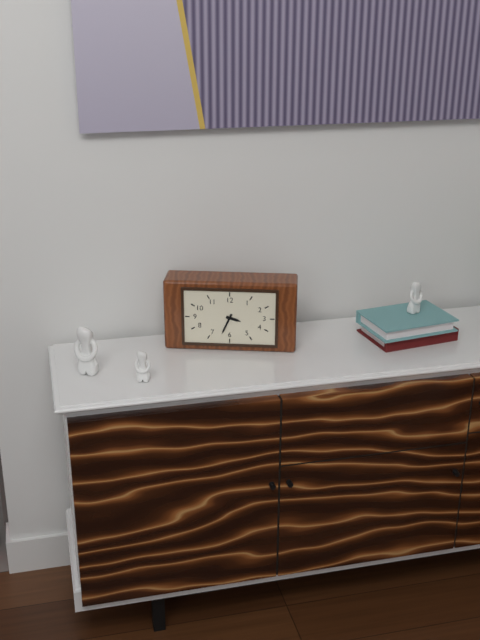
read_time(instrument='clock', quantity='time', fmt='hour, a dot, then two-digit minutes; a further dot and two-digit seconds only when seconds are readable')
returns 3.34
